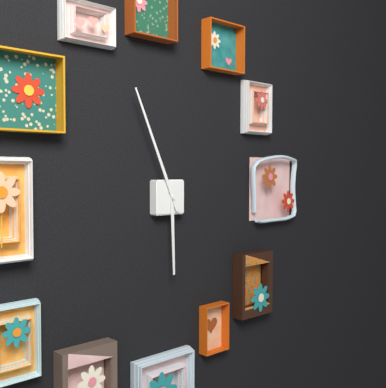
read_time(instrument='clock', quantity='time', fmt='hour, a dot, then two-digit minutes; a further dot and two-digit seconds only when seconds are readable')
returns 5.56
